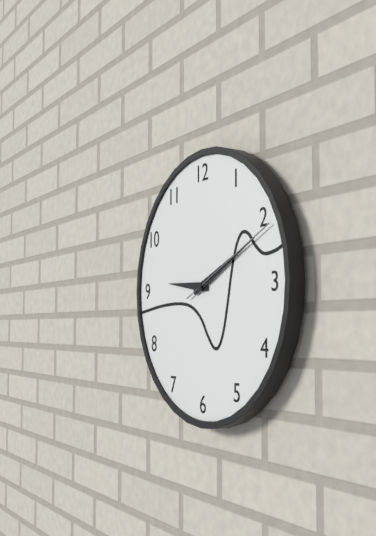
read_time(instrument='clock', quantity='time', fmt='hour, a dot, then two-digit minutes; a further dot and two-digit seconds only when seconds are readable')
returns 9.11.11
